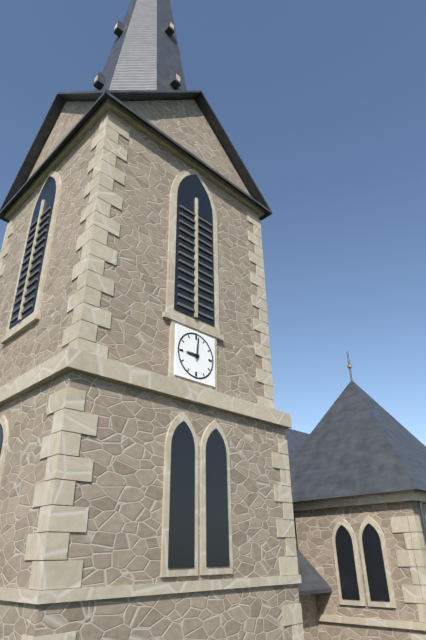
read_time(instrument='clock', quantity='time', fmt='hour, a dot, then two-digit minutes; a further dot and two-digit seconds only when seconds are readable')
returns 9.01
